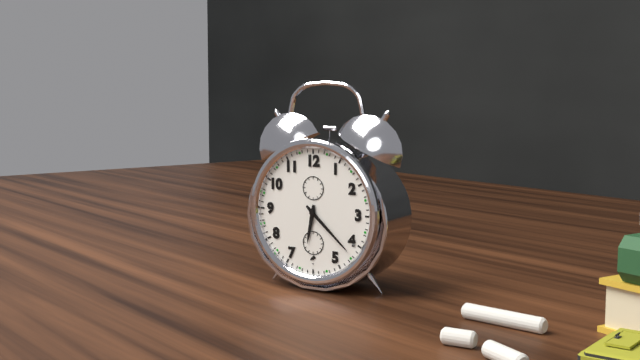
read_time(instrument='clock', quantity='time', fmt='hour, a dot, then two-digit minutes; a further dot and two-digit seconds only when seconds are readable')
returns 6.22
